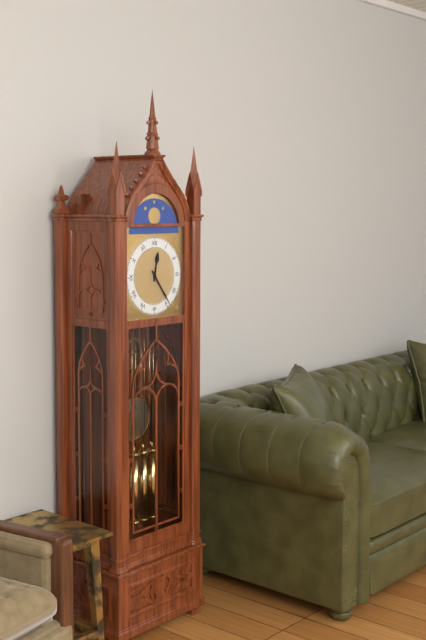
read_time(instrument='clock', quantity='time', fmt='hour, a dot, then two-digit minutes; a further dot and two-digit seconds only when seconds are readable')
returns 12.24
